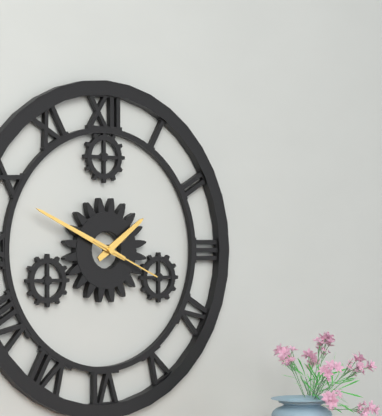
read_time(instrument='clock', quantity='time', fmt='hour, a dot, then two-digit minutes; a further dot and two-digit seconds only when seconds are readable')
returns 1.49.19
